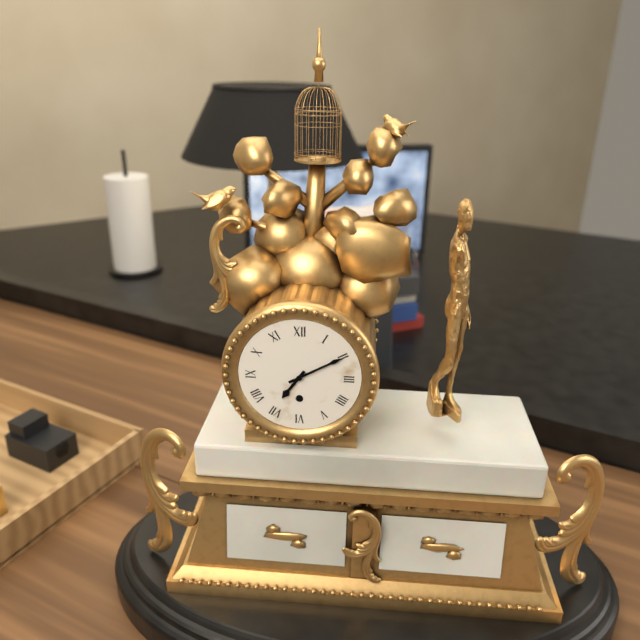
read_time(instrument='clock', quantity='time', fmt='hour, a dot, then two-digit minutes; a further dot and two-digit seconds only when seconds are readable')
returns 7.10
